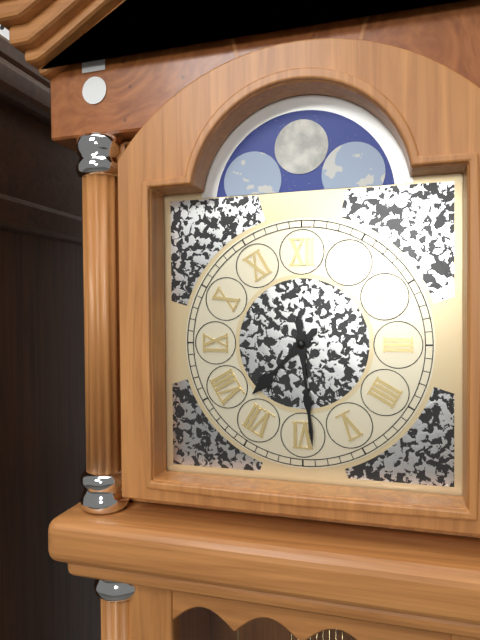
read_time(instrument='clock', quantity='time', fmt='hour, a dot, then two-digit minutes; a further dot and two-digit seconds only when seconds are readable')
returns 7.29
